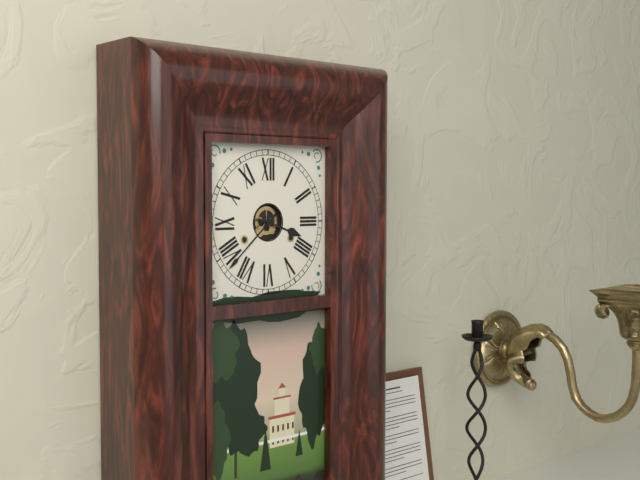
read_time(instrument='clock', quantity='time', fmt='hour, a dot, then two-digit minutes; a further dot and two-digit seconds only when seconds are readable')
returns 3.38
